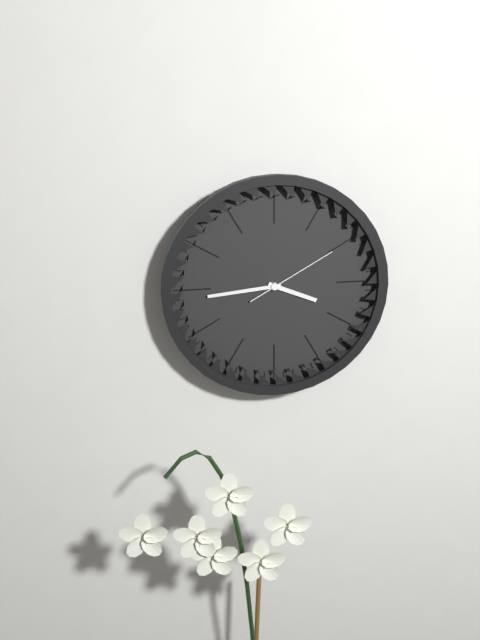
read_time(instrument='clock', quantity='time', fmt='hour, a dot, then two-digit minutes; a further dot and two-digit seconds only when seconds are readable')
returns 3.44.10
